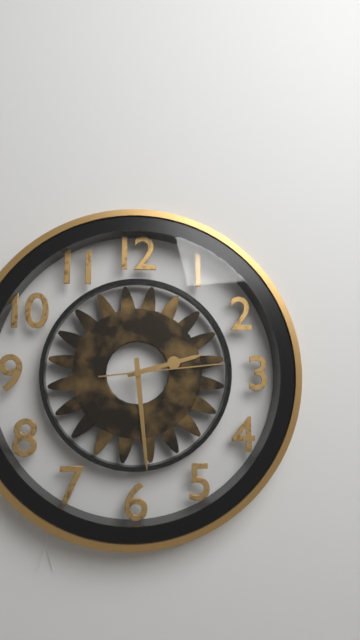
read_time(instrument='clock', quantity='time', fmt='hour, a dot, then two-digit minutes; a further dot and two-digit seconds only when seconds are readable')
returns 2.29.14
